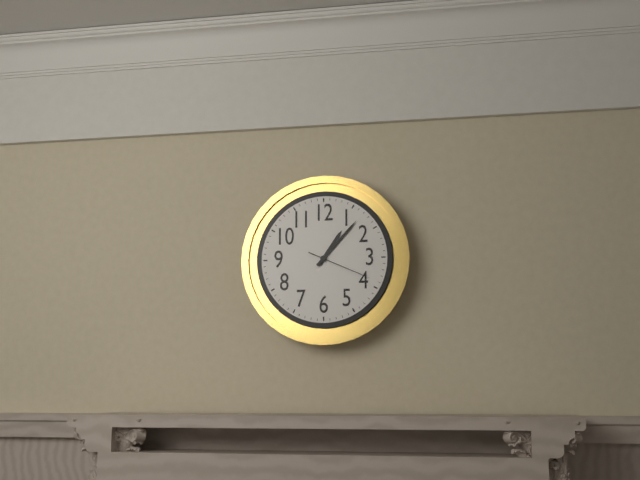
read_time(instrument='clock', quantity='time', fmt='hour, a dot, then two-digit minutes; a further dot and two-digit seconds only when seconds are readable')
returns 1.07.19
